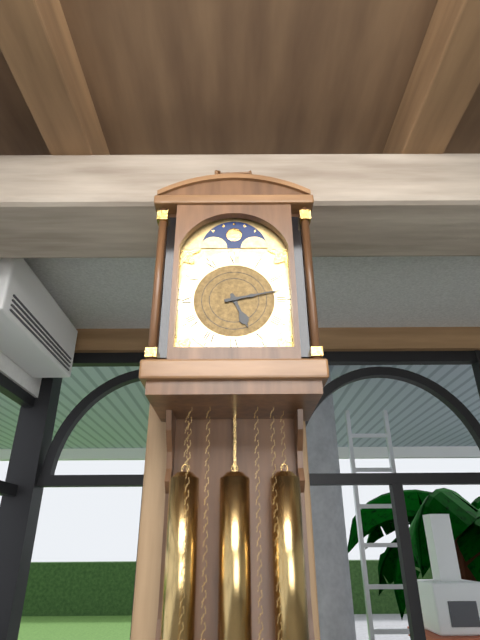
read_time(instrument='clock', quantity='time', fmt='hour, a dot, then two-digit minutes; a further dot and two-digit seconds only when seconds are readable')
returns 5.13
